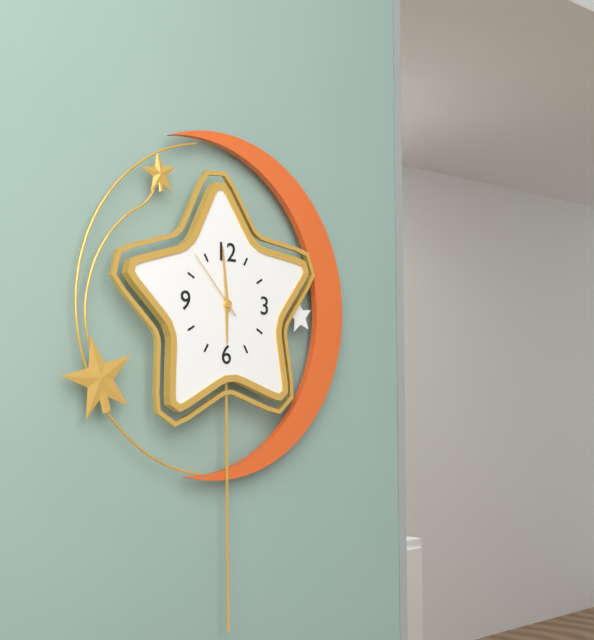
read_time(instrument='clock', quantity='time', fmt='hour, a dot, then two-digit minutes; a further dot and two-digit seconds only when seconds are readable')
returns 5.59.53
